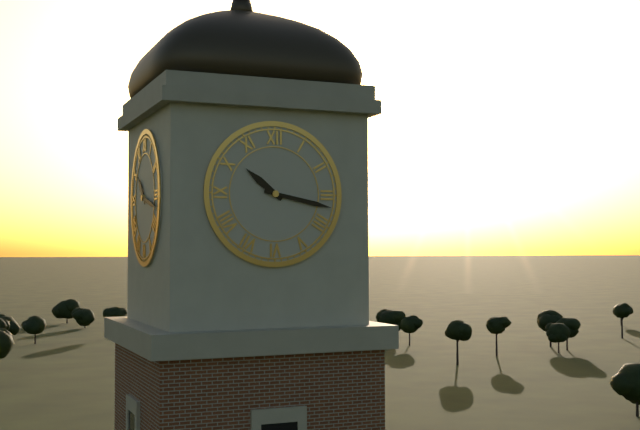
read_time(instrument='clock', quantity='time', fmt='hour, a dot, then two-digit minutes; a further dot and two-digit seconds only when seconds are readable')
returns 10.17
